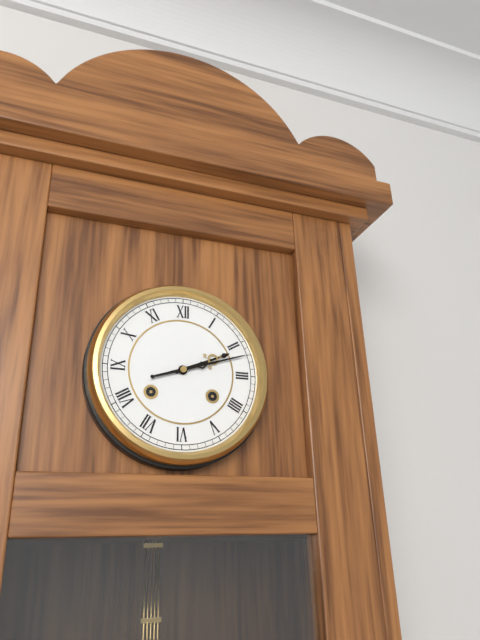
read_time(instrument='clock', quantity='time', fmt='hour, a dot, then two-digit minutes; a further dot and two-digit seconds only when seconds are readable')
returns 2.12
